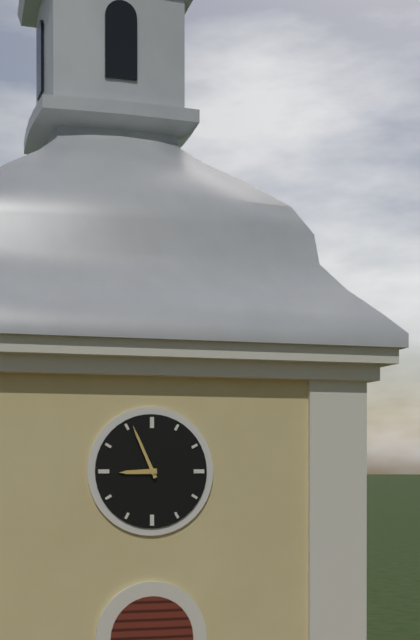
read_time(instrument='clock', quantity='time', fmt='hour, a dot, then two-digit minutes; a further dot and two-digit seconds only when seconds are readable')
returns 8.56
